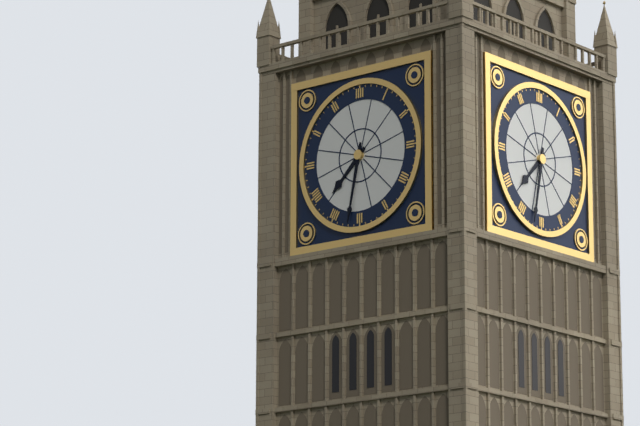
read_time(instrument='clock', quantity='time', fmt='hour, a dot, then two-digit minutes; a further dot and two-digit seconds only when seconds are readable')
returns 7.32
